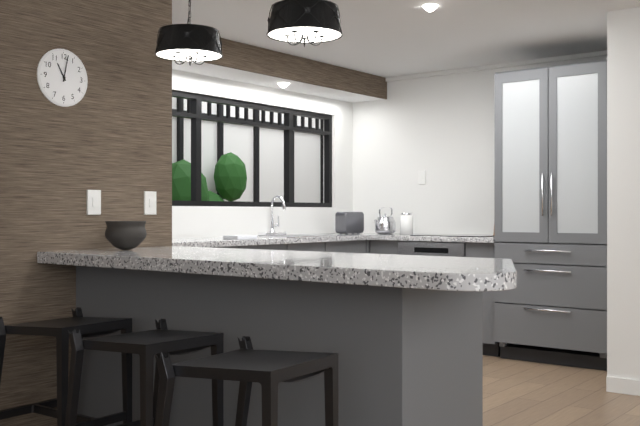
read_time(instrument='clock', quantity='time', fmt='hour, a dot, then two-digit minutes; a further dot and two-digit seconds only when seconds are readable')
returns 11.02
